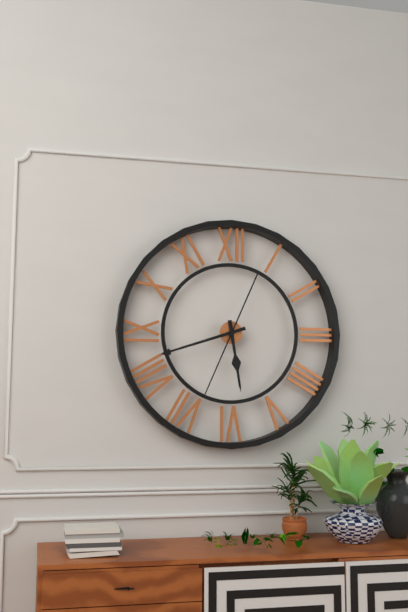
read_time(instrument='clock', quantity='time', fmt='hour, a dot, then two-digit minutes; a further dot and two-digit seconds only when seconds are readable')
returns 5.42.34
